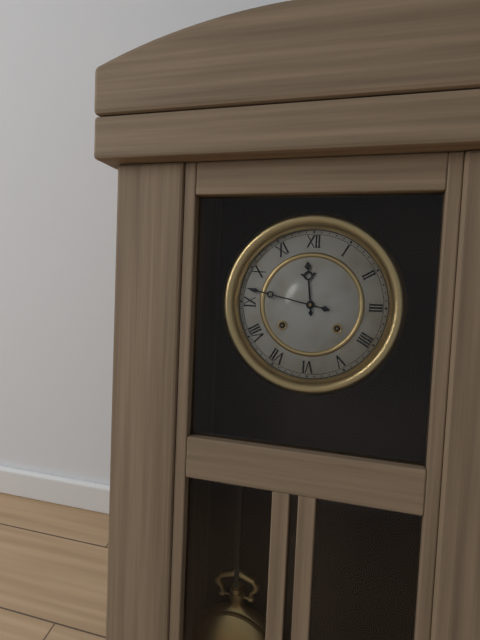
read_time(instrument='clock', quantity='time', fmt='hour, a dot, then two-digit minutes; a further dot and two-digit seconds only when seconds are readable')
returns 11.47
